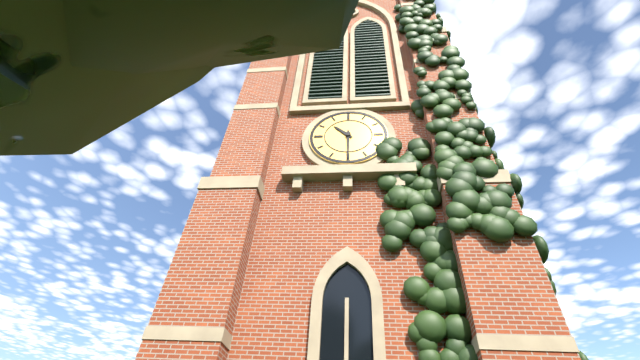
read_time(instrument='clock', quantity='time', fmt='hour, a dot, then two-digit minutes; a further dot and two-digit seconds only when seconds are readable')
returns 10.30
